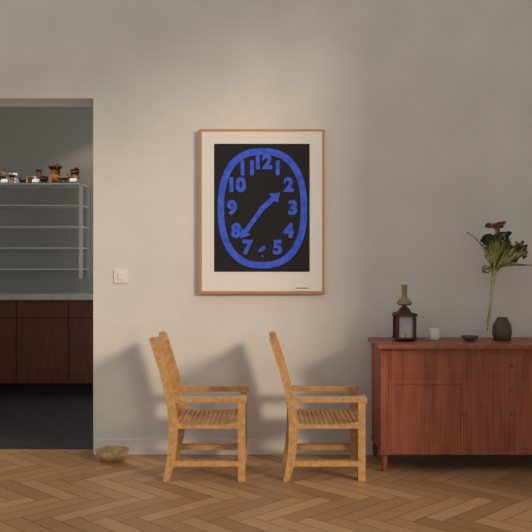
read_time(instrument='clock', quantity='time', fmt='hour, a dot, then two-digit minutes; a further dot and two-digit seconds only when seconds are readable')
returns 1.36
